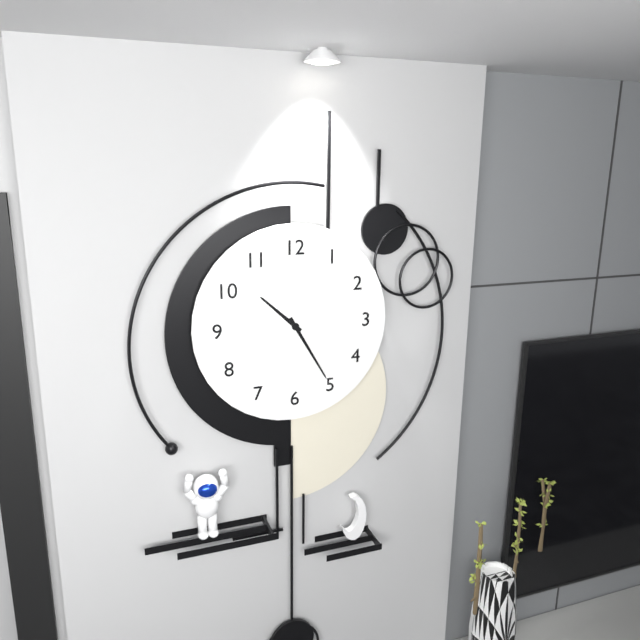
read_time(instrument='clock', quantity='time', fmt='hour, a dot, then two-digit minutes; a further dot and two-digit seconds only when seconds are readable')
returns 10.25
